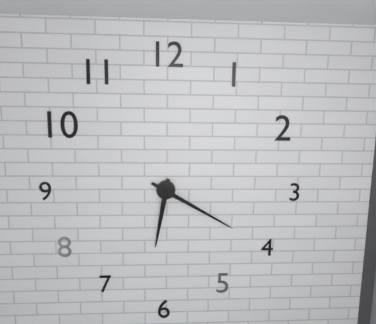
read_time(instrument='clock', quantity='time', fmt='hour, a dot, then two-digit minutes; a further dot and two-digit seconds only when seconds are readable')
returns 6.20
